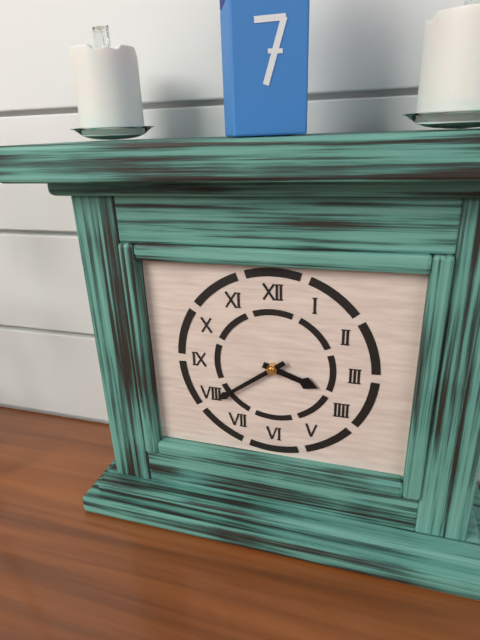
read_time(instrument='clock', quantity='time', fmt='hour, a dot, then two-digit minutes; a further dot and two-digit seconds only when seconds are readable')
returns 3.39
